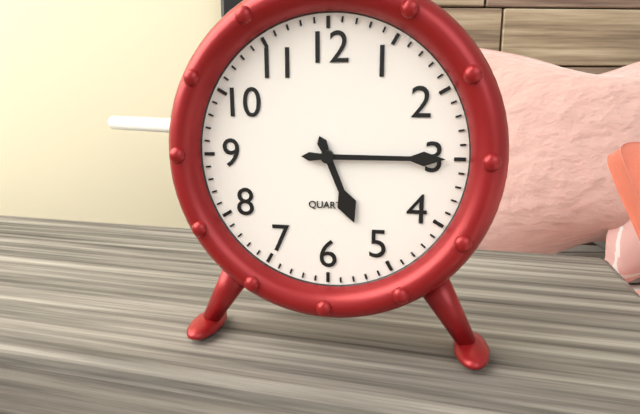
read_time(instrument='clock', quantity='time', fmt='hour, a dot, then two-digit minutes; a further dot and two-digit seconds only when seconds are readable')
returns 5.15
